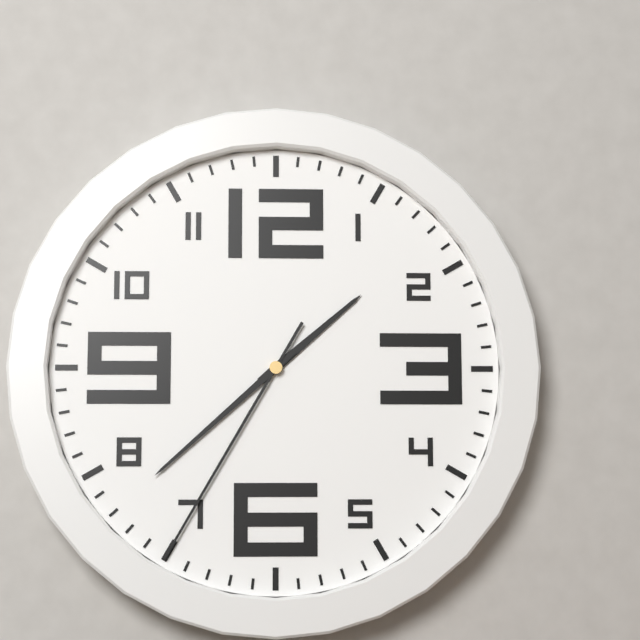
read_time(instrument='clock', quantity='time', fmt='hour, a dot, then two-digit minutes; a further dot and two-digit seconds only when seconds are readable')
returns 1.38.35
